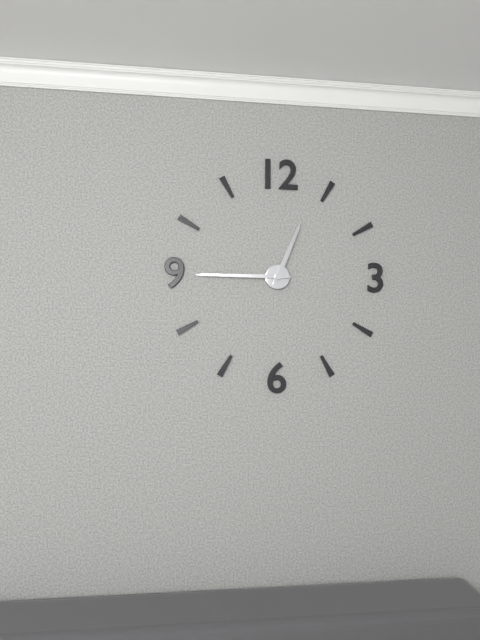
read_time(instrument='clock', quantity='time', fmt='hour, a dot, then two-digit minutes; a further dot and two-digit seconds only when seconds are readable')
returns 12.45
